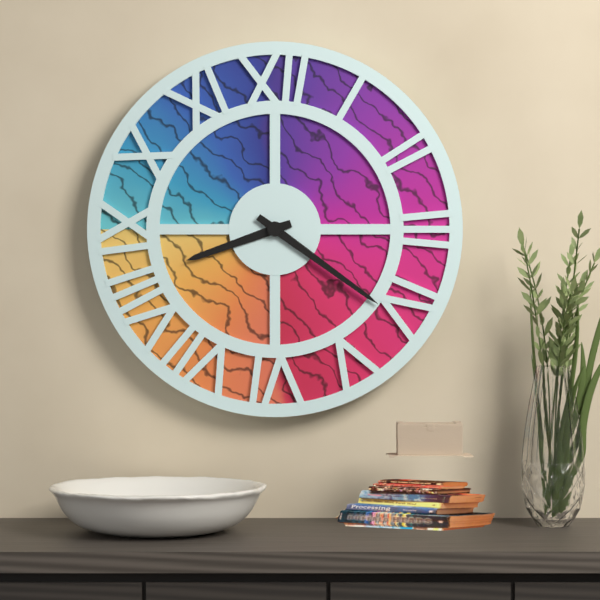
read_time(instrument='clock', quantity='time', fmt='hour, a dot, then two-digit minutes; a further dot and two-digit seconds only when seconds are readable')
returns 8.21
